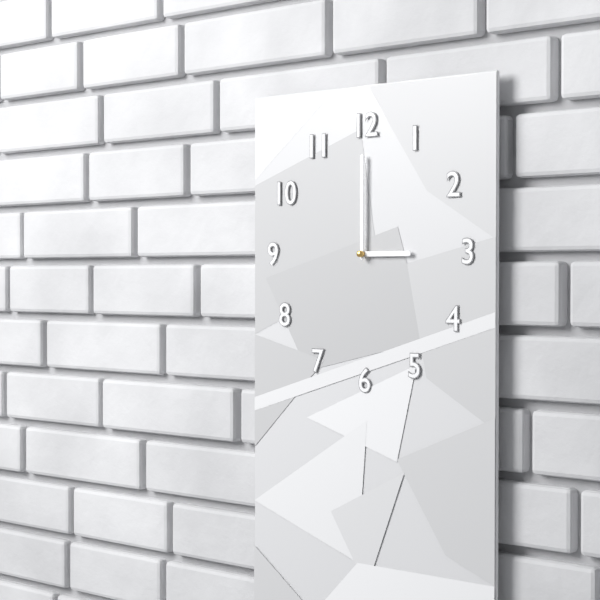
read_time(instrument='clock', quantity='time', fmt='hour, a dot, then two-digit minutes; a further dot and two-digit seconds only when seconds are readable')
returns 3.00
